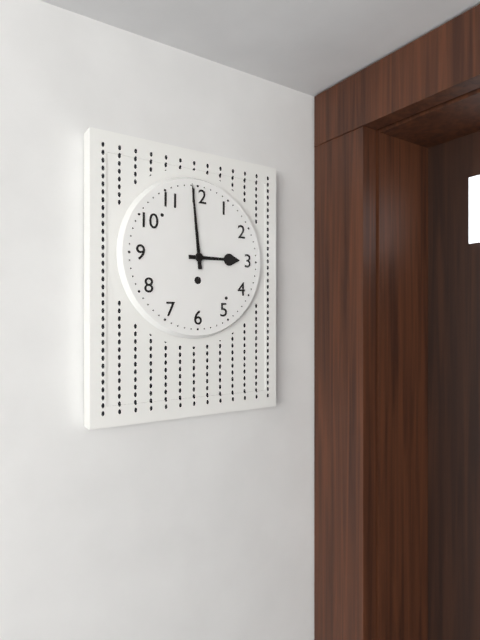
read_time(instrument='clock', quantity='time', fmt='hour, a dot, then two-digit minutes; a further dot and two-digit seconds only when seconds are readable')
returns 2.59
